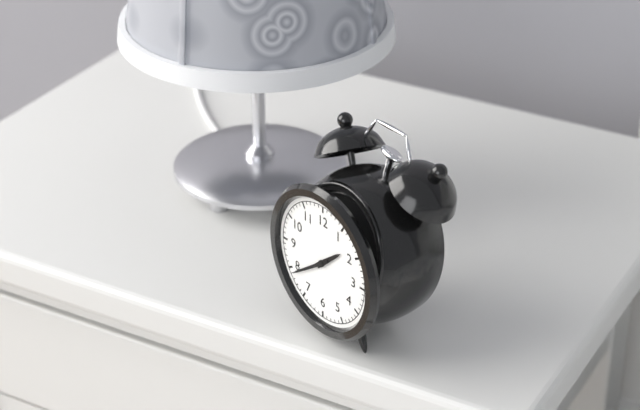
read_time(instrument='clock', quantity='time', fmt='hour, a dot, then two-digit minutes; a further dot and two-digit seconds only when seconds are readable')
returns 1.39
